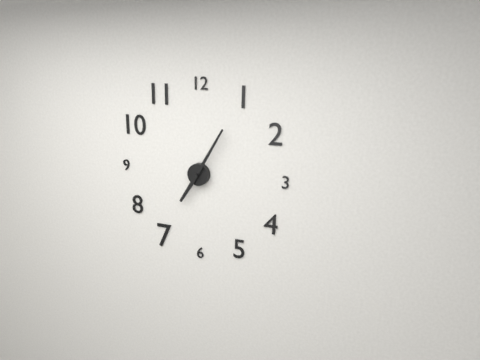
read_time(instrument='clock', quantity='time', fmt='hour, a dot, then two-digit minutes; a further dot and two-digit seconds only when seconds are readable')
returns 7.05
